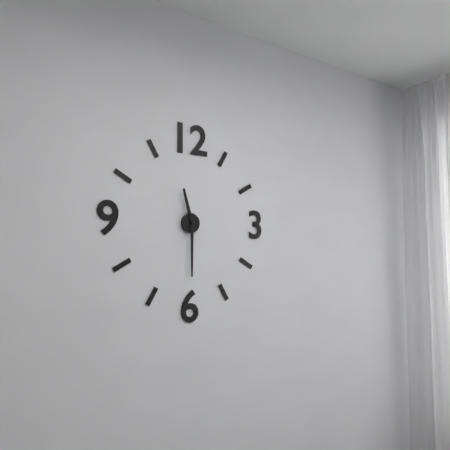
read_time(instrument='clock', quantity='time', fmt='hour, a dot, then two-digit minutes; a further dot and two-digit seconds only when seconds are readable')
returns 11.30
